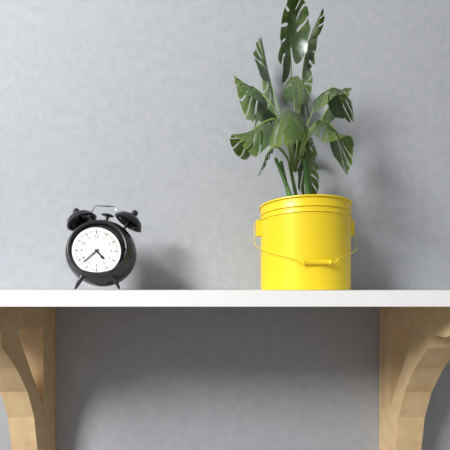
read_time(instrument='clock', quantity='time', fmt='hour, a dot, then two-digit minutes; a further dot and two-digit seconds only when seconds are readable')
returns 4.38
